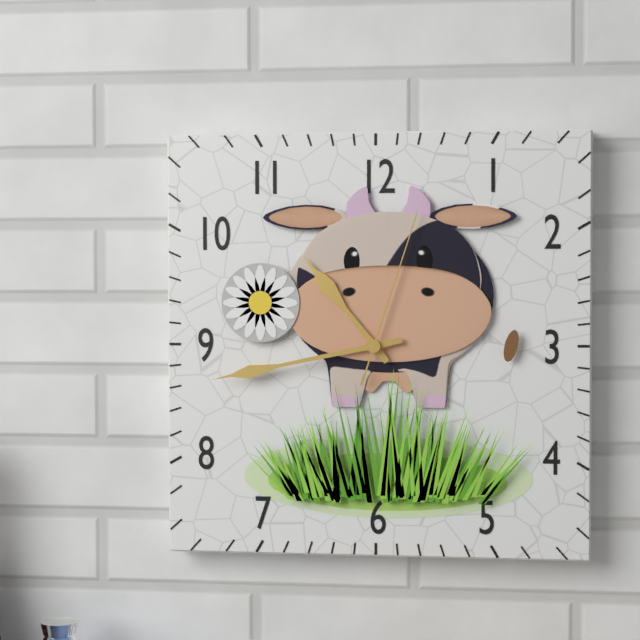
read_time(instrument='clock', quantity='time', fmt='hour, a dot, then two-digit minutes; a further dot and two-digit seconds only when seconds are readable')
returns 10.43.03
